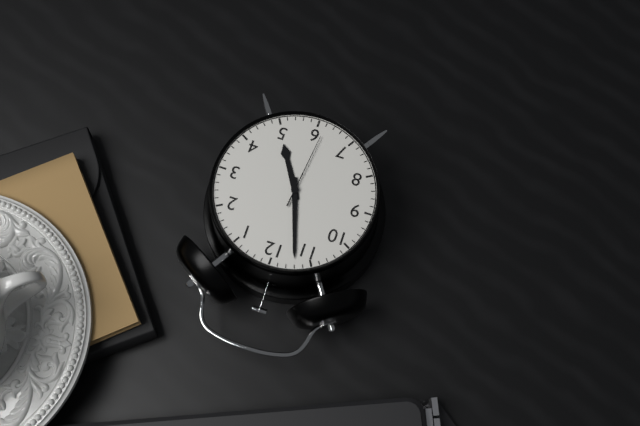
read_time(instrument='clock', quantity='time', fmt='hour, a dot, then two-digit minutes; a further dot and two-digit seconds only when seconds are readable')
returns 4.57.31
